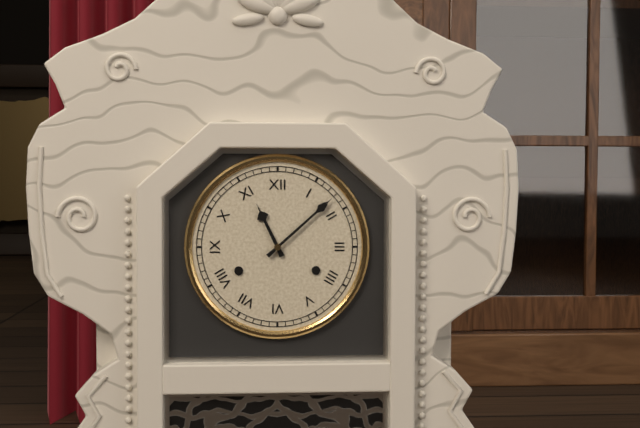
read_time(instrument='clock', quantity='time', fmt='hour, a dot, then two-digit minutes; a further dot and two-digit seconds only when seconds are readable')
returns 11.08
